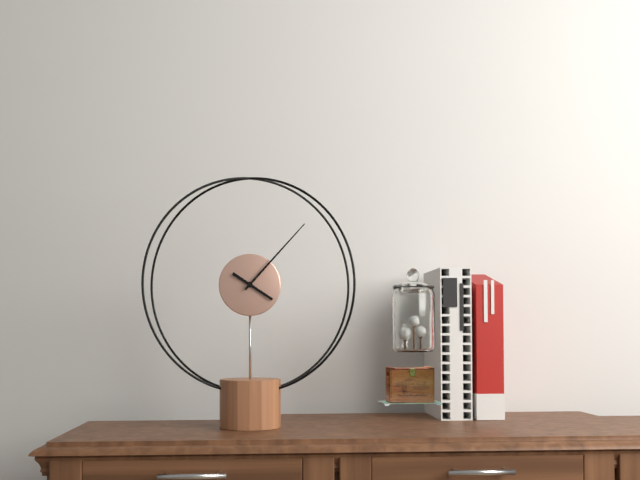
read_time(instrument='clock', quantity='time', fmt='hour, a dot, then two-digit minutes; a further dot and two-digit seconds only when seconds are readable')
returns 4.07
